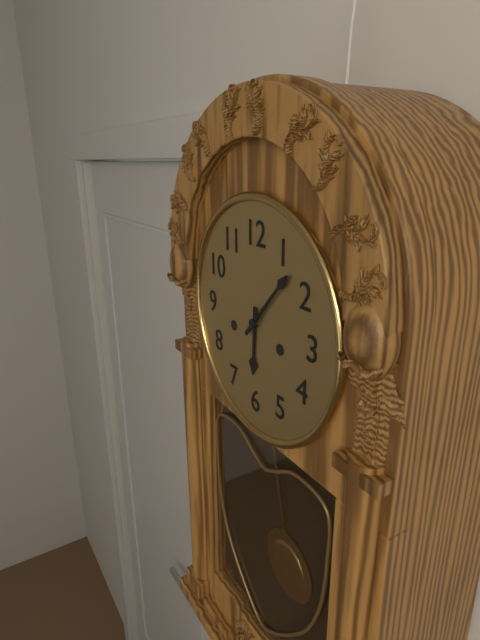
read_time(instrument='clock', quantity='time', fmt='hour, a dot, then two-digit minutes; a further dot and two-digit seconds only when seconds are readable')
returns 6.07
